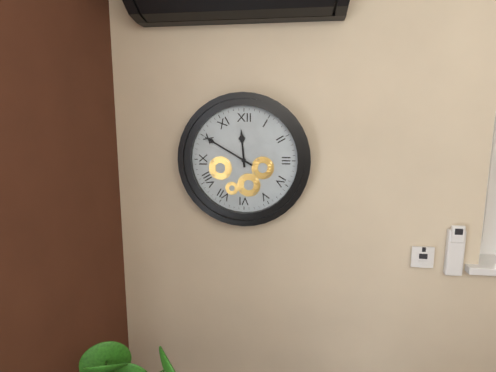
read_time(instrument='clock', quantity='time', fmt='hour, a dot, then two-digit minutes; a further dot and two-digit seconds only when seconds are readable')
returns 11.50
